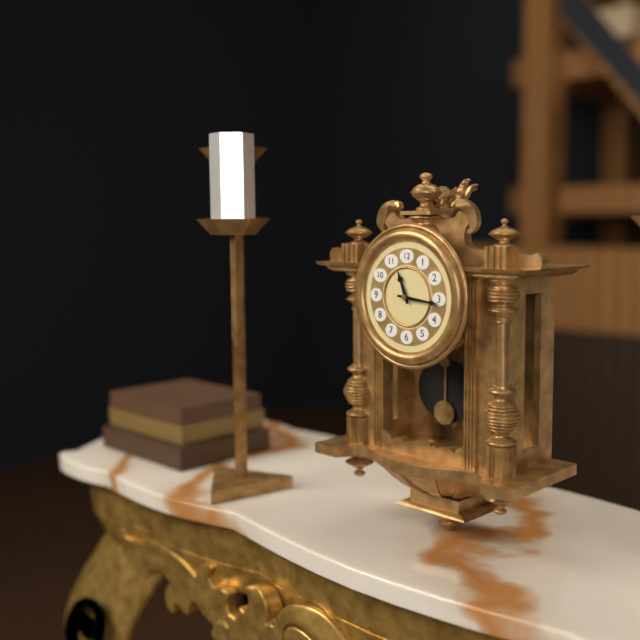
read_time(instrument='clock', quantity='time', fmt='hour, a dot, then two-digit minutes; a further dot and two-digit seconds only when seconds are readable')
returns 11.16
